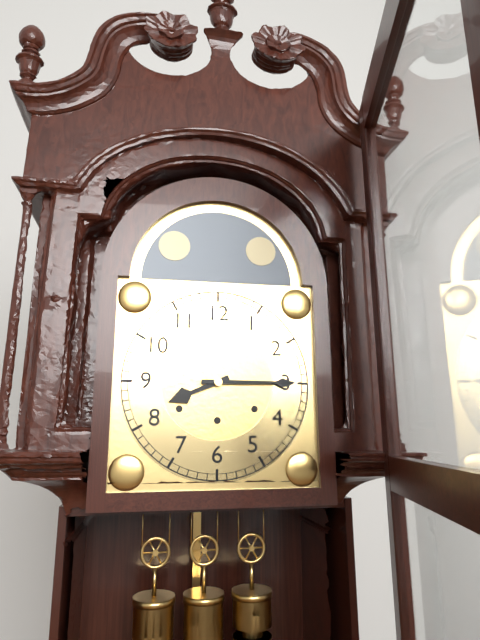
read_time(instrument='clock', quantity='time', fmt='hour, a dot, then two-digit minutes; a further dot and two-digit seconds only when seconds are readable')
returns 8.15
